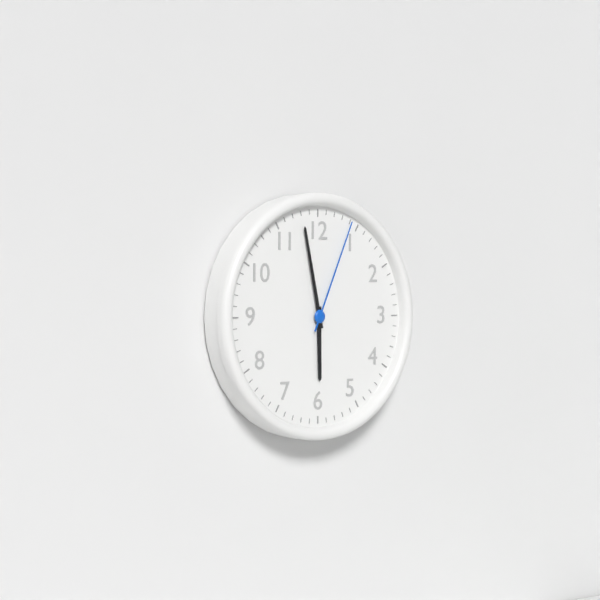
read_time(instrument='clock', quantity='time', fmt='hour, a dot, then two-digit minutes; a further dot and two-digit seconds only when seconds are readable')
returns 5.58.04
